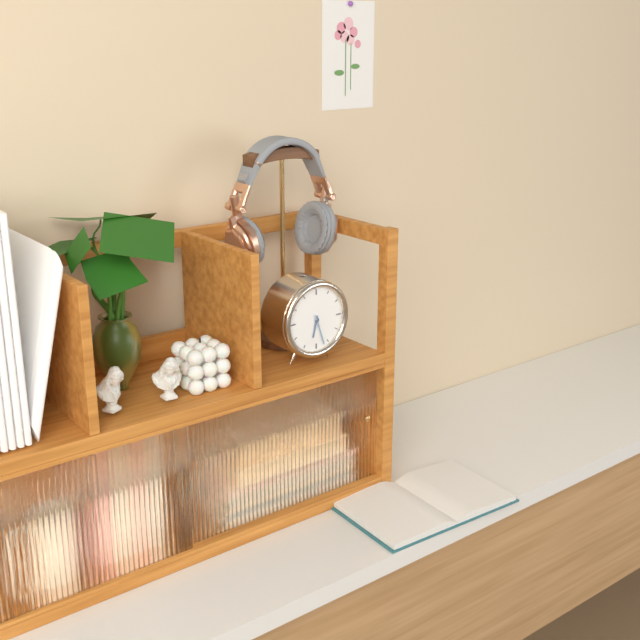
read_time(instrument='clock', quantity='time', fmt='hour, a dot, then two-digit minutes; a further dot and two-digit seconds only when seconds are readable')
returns 6.27
